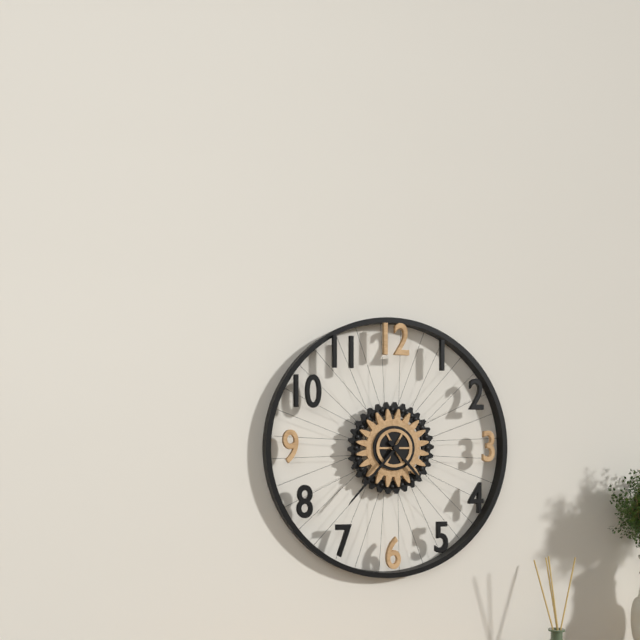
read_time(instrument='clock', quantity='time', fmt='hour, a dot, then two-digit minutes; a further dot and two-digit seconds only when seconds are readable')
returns 4.37
